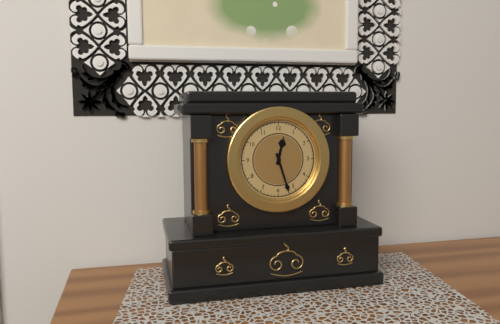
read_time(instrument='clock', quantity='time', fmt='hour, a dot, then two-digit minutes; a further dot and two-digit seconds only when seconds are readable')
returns 12.27
